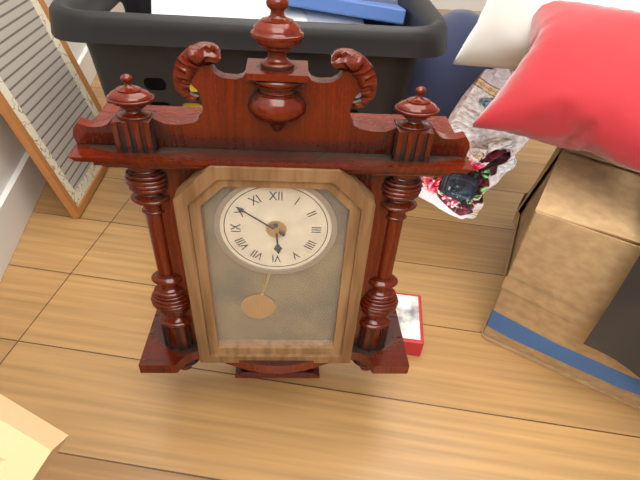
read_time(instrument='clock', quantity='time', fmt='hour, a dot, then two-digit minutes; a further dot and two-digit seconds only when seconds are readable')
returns 5.51
